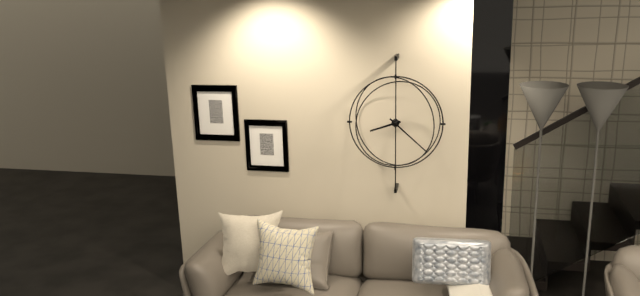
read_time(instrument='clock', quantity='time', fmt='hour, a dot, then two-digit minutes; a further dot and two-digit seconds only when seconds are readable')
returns 8.22
